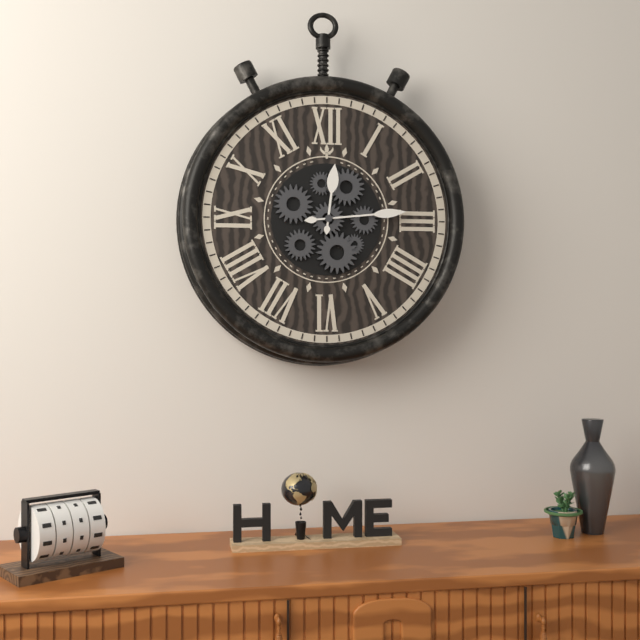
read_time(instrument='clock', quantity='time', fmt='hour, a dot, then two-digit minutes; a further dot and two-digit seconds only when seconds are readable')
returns 12.14
